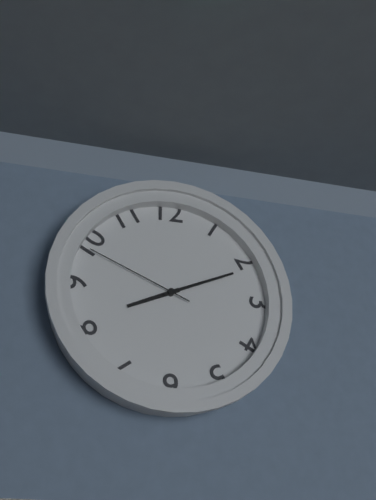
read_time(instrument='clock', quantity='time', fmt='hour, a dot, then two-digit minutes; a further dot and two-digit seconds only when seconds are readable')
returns 8.11.49
